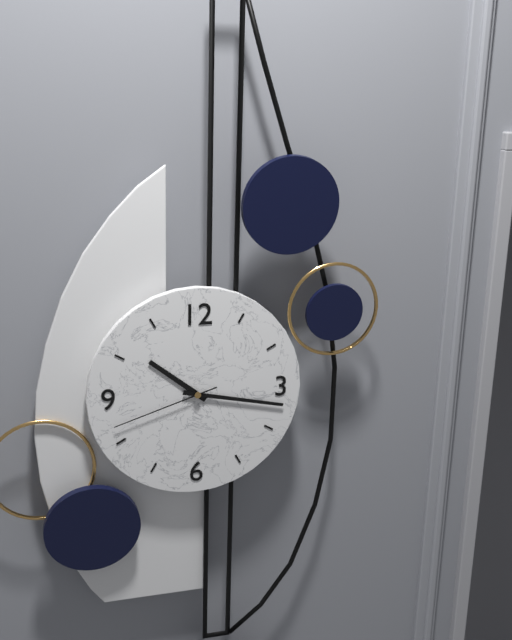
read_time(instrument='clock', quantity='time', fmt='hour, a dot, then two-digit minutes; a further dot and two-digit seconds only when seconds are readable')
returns 10.17.42
